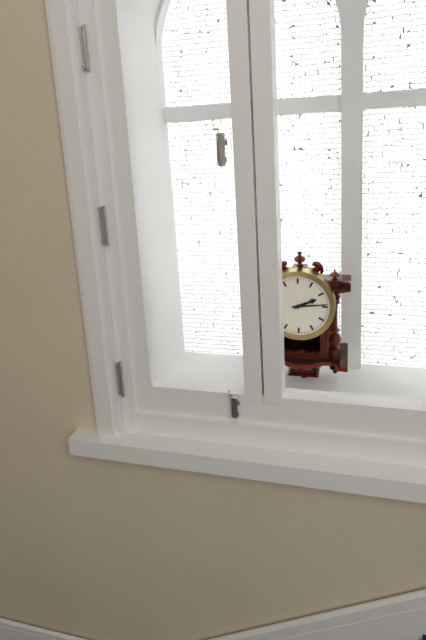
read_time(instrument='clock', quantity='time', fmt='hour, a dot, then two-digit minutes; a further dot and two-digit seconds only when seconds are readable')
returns 2.14
